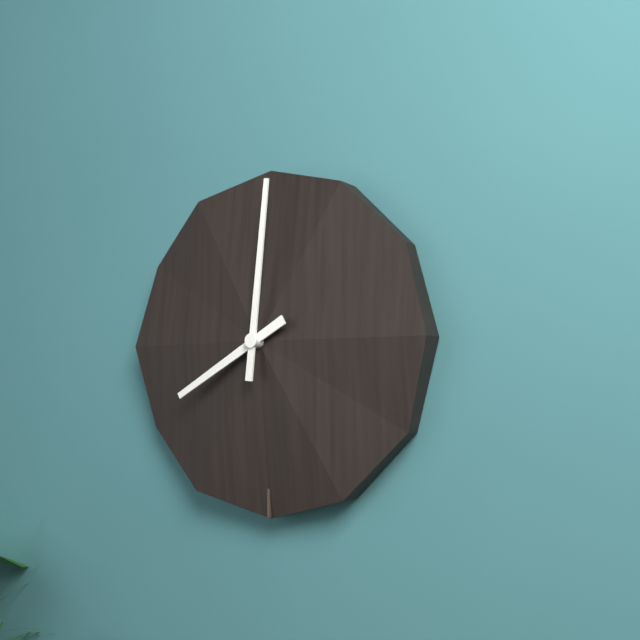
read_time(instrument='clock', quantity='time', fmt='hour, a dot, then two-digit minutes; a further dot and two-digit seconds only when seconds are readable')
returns 8.01
